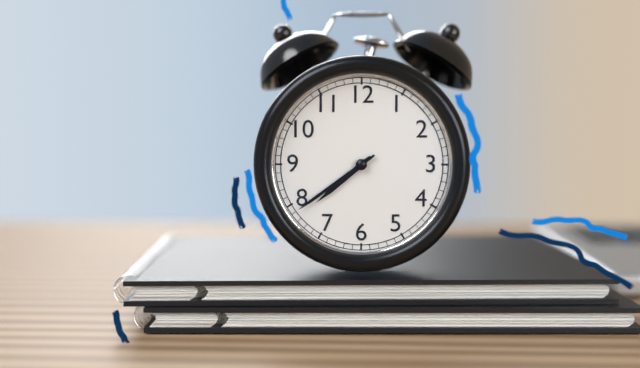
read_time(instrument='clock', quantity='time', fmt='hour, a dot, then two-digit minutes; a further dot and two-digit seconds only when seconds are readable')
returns 7.39
